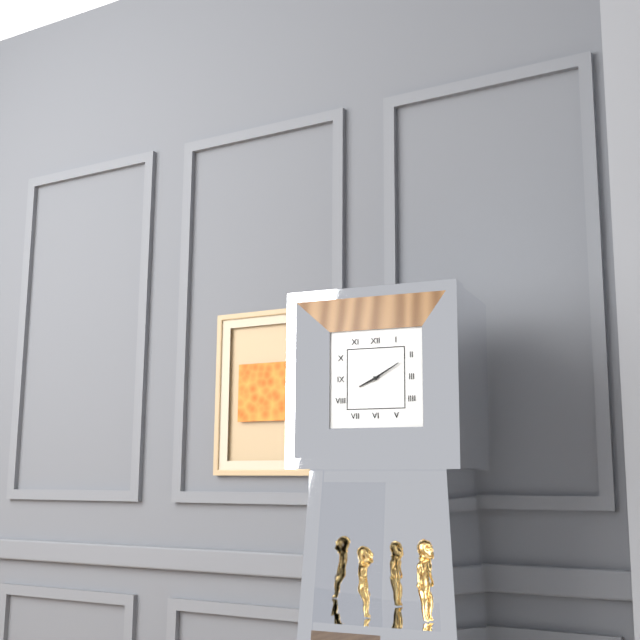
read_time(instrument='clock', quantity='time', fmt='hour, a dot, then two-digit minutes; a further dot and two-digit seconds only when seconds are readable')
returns 8.10
